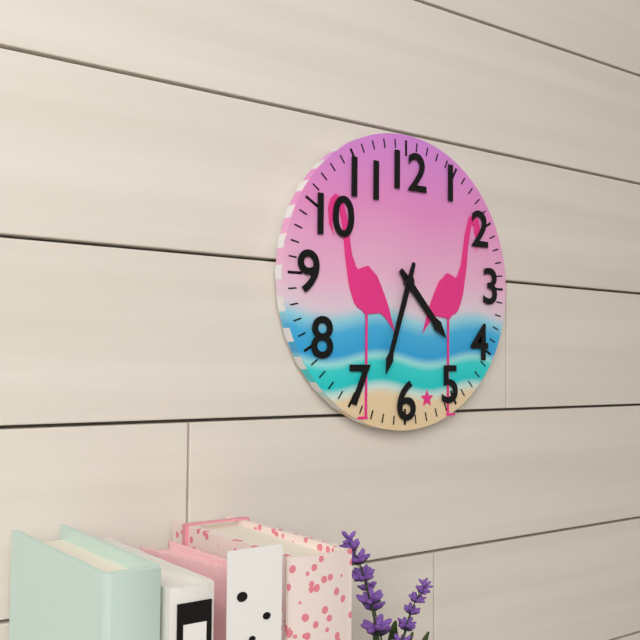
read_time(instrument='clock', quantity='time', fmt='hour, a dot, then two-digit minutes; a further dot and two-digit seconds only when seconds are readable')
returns 4.33
